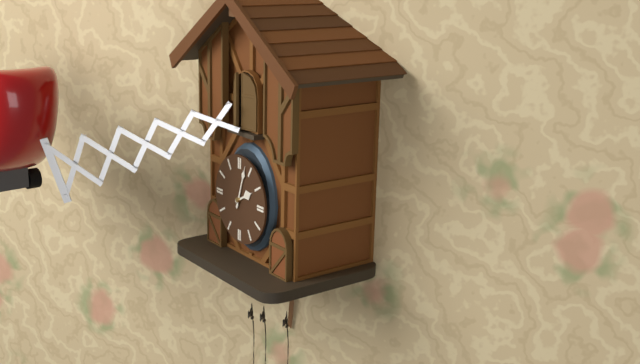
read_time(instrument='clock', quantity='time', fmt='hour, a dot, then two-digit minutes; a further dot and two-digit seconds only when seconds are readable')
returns 2.03
